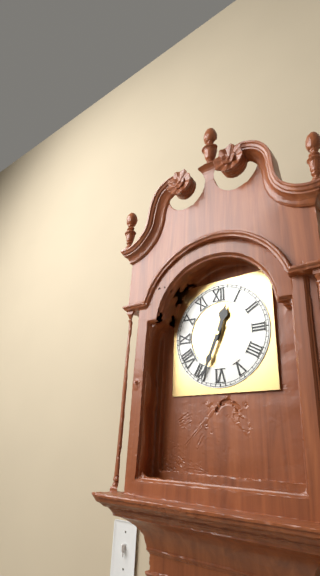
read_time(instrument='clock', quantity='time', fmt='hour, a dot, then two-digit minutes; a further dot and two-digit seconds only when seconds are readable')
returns 12.34
